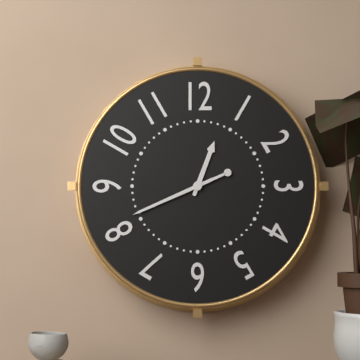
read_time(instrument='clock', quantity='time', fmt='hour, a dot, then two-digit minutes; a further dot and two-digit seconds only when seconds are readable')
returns 12.41
